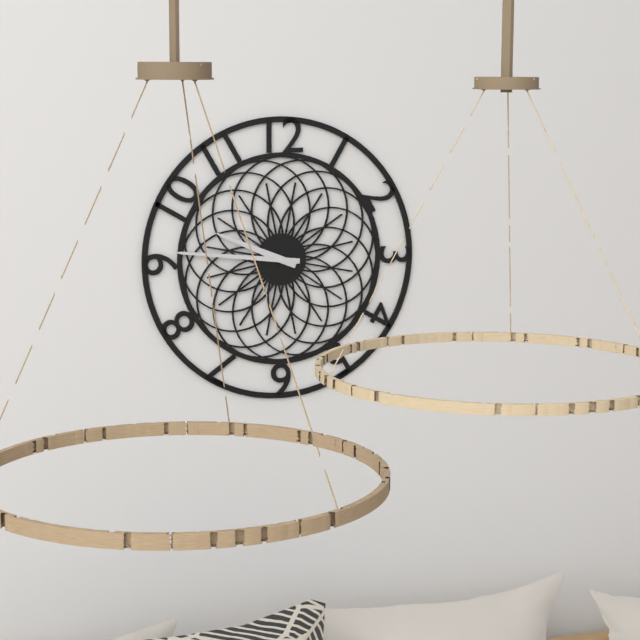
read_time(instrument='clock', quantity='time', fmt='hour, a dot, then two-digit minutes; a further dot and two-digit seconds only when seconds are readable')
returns 9.46
